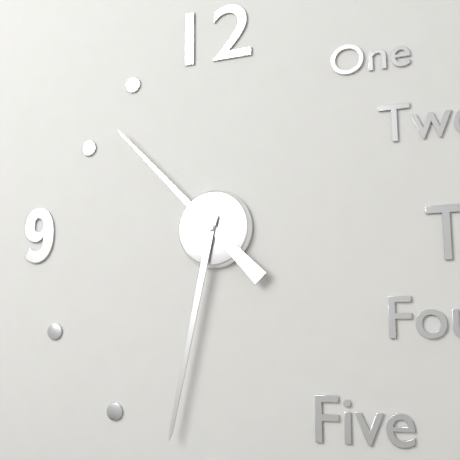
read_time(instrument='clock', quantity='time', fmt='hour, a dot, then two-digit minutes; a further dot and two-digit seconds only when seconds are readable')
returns 10.32
